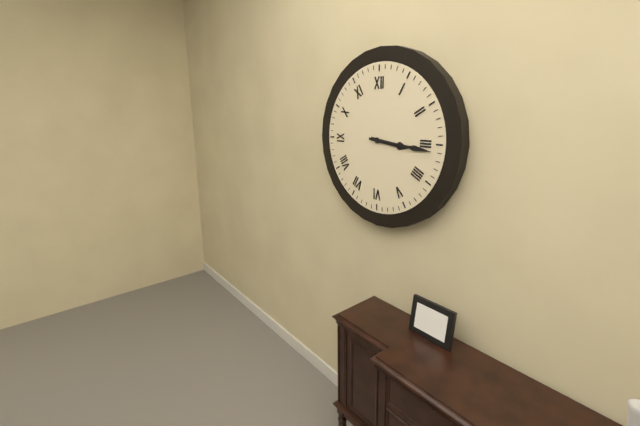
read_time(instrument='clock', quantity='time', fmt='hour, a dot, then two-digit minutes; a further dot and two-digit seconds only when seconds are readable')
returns 3.16
